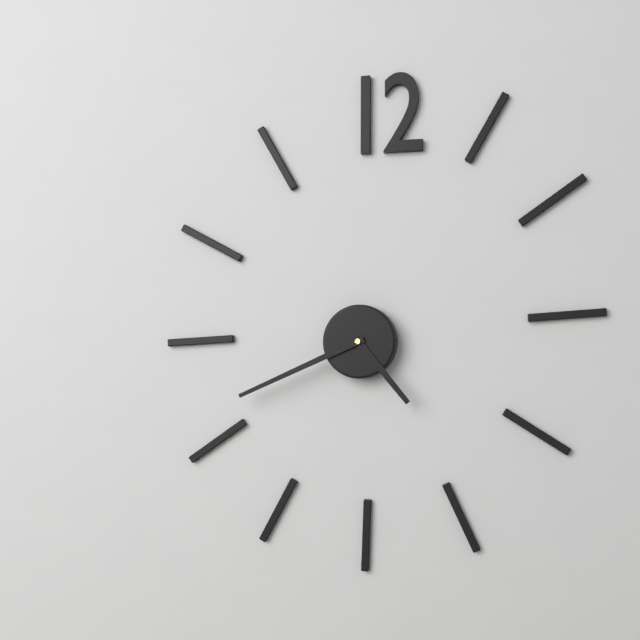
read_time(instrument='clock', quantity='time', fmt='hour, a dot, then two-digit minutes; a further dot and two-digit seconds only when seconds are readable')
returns 4.41
